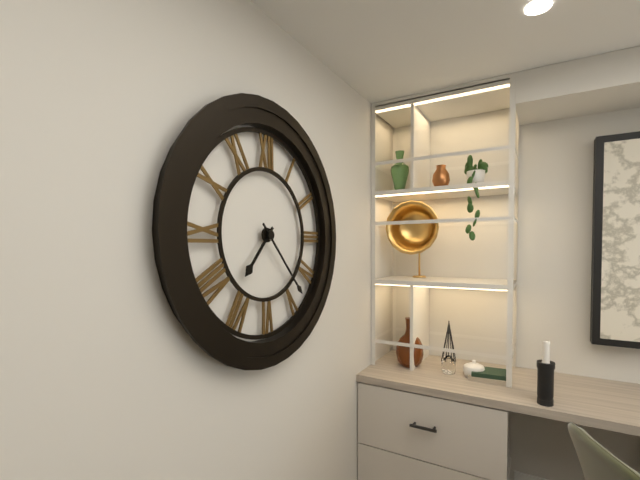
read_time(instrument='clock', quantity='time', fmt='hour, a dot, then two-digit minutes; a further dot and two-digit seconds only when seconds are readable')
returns 7.23
